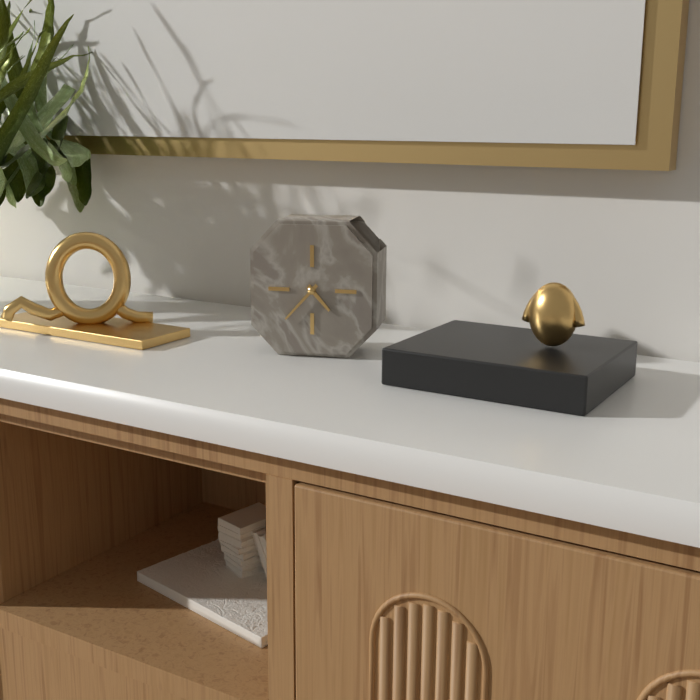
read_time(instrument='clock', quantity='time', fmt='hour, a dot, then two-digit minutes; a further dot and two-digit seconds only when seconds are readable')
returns 4.37
